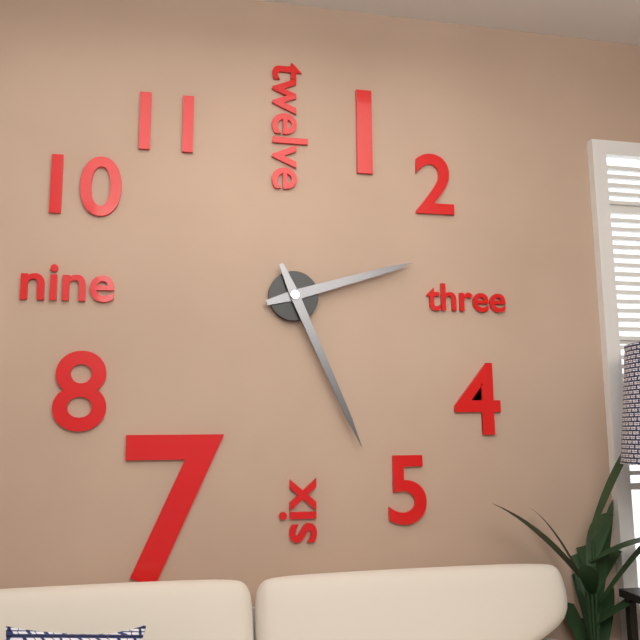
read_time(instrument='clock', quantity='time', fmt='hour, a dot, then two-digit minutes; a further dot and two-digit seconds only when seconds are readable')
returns 2.26
